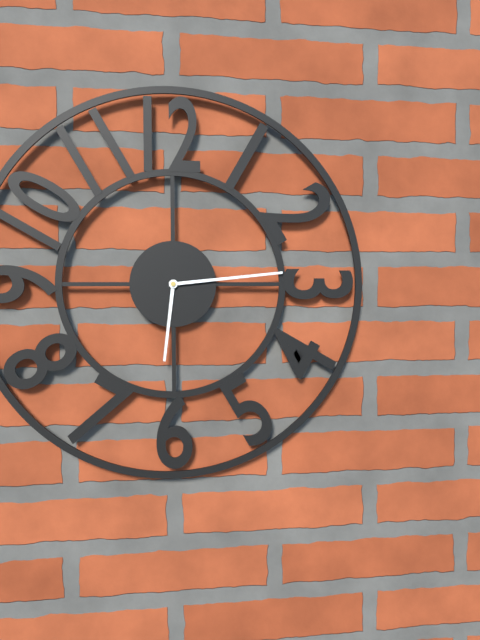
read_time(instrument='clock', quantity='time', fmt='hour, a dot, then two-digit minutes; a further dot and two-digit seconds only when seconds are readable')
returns 6.14
